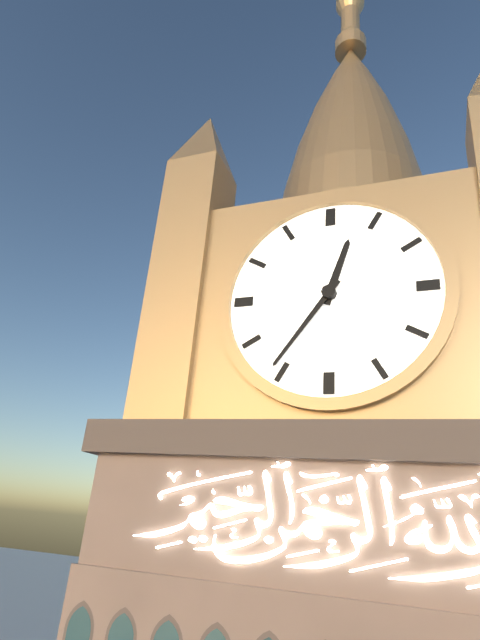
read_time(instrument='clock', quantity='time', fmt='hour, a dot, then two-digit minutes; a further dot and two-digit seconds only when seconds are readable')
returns 12.36
